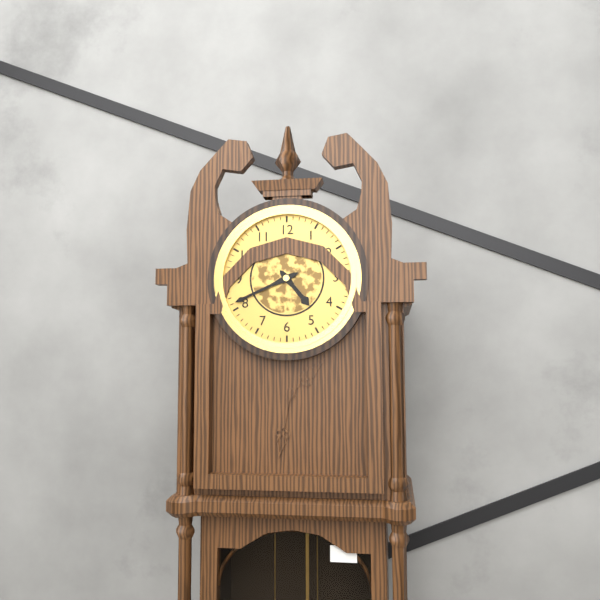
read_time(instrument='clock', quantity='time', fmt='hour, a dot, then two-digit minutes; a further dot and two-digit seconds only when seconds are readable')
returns 4.41
